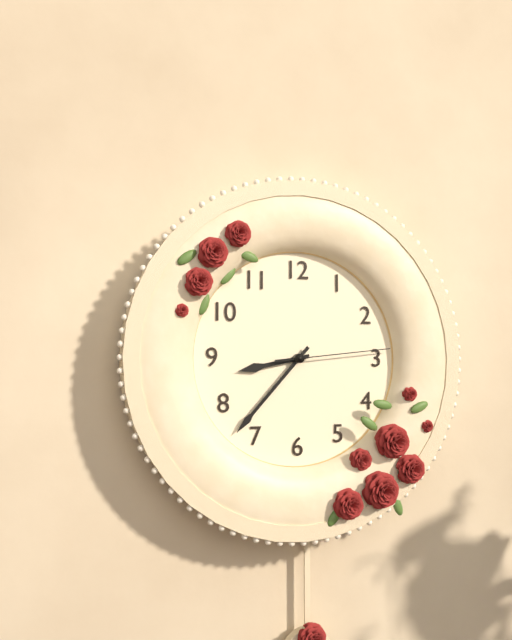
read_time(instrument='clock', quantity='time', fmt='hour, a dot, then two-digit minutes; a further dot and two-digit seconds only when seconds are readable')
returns 8.37.14
